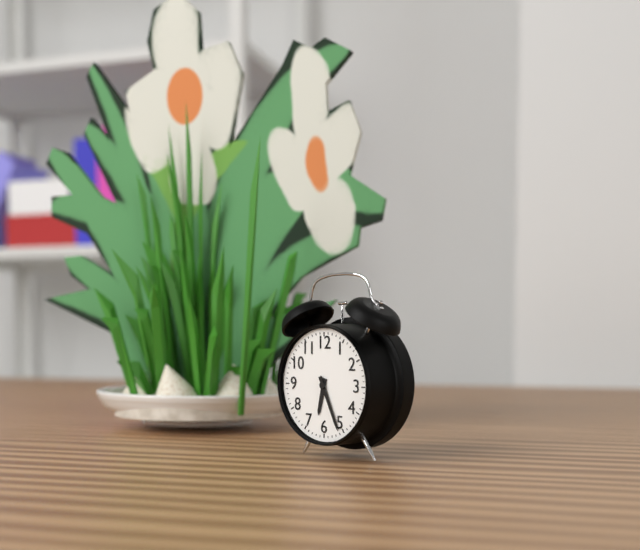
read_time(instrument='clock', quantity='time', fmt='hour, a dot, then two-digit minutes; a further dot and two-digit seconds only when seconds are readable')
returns 6.26
